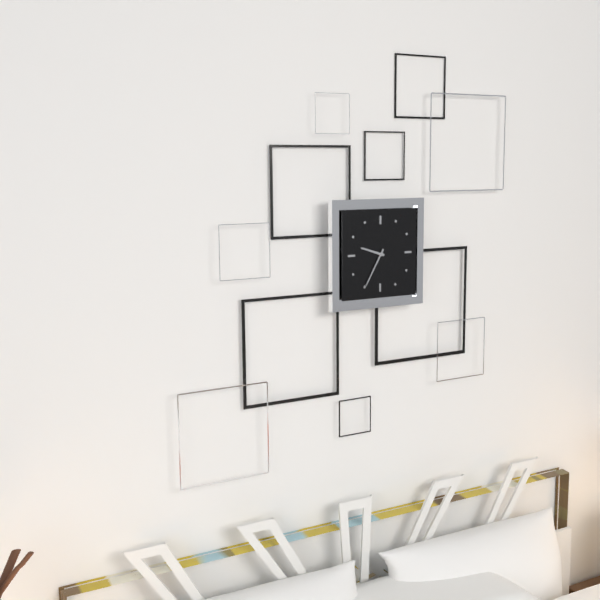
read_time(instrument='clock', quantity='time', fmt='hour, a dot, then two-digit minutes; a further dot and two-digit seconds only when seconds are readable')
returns 9.35
